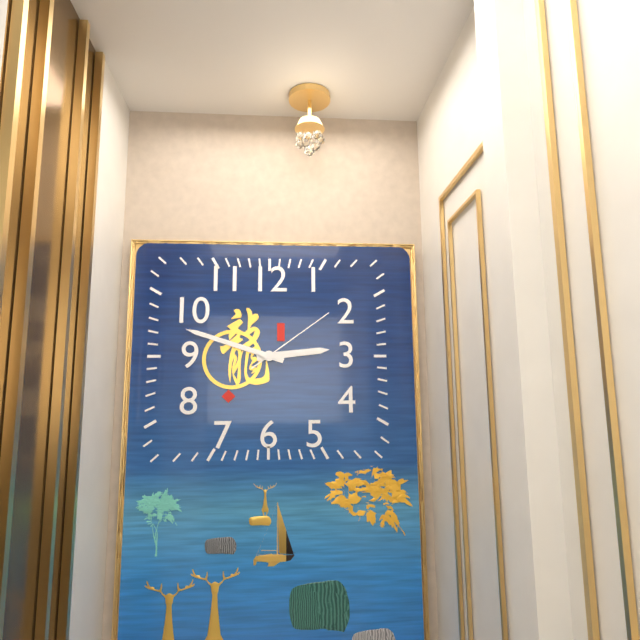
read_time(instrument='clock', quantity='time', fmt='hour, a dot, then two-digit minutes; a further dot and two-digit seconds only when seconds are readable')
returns 2.48.09
